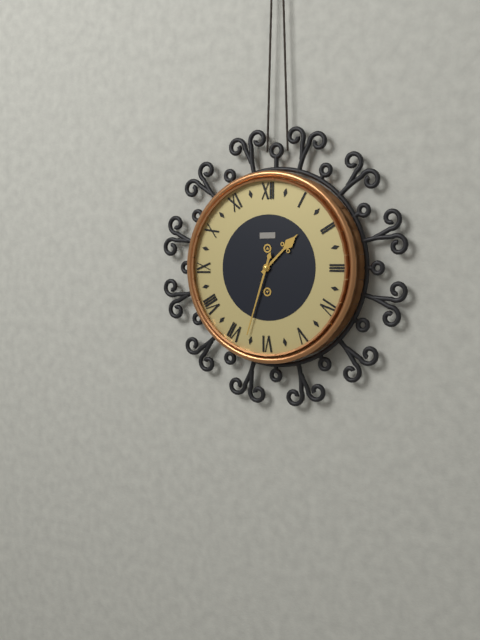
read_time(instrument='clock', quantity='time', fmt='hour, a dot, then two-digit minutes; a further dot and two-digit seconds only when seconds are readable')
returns 1.33
